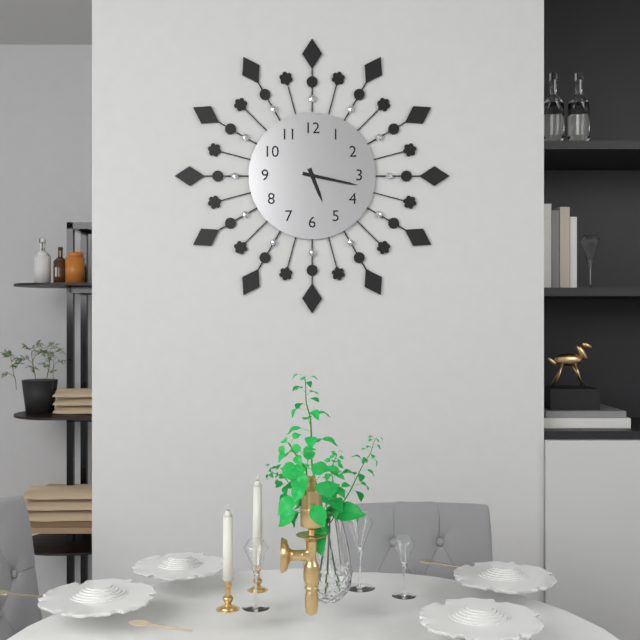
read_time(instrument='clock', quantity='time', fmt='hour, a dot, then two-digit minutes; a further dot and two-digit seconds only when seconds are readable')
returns 5.17
